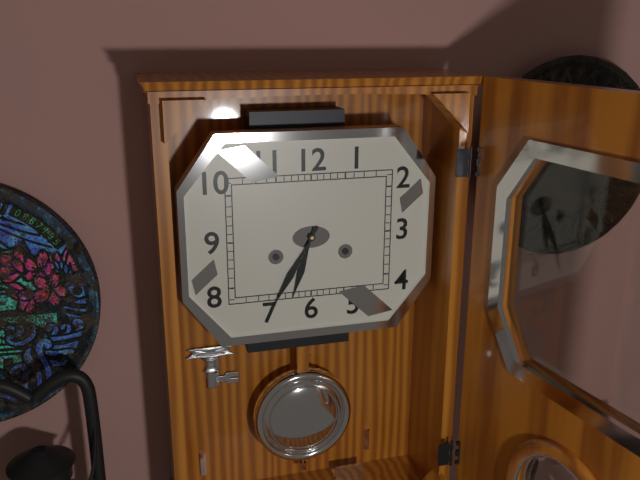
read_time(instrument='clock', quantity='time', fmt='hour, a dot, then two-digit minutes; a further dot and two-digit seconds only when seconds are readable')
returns 6.35
